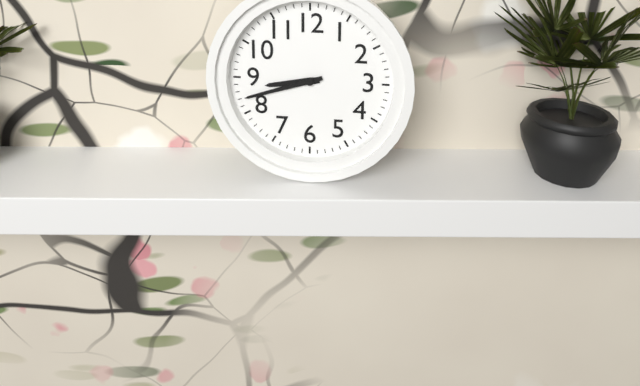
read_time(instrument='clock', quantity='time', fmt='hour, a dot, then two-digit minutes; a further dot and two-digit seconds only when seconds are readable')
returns 8.42
